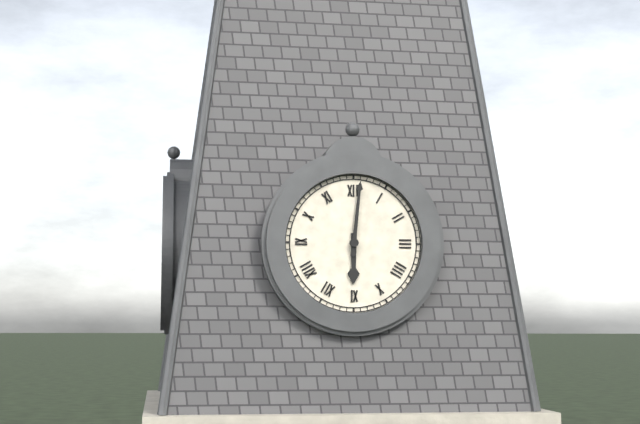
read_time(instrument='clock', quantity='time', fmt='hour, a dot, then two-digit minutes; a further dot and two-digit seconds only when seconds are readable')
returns 6.01
